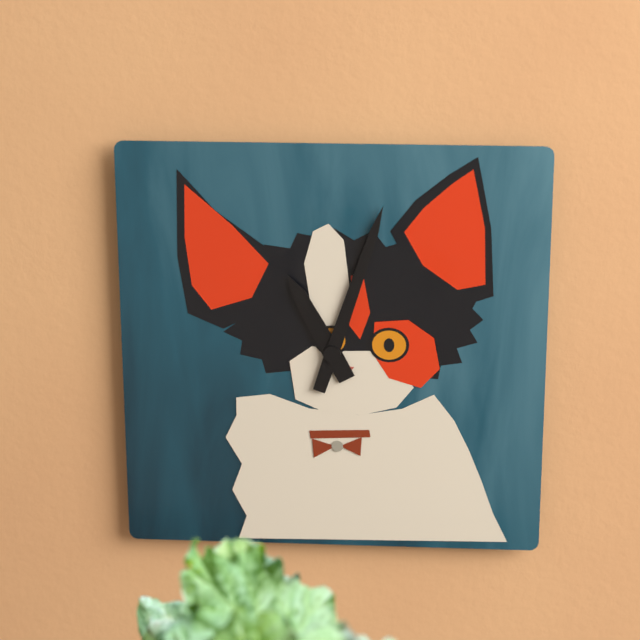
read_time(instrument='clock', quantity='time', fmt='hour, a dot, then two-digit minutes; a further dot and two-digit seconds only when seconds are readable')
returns 11.03
